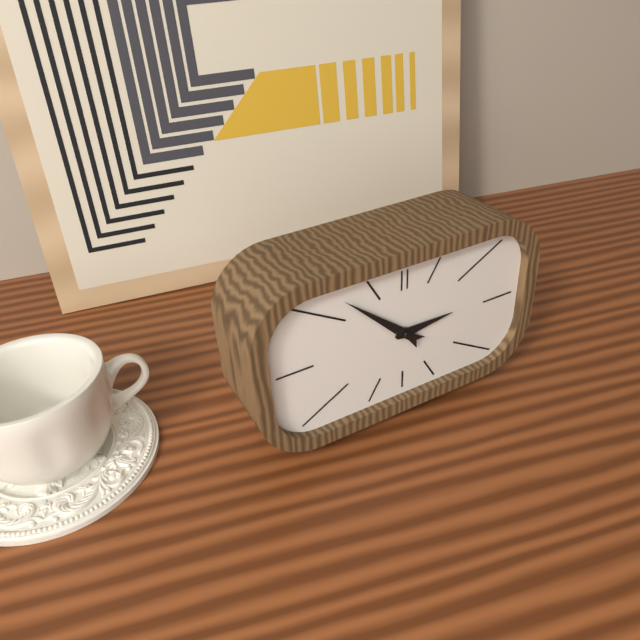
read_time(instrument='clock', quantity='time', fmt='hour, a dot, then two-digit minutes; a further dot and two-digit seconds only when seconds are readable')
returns 2.52
